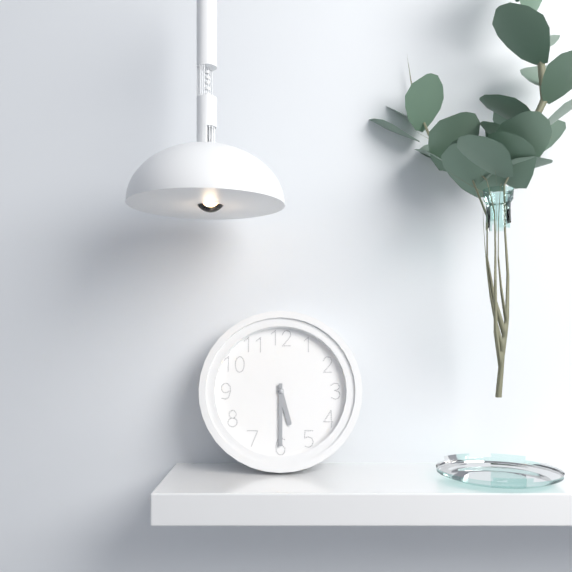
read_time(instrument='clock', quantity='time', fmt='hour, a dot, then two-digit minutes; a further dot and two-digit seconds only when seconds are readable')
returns 5.30
